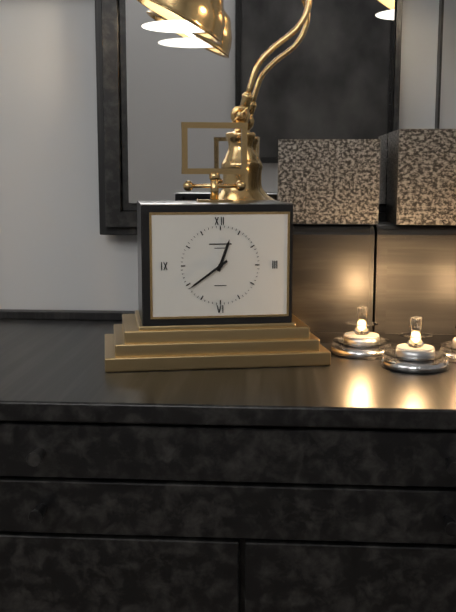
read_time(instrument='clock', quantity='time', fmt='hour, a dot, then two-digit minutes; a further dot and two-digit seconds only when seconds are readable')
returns 12.39
